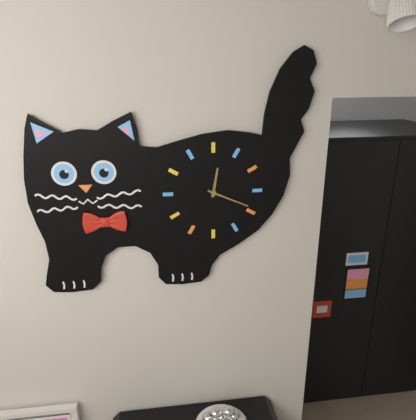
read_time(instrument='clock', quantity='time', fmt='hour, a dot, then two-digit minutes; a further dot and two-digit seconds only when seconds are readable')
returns 12.19
